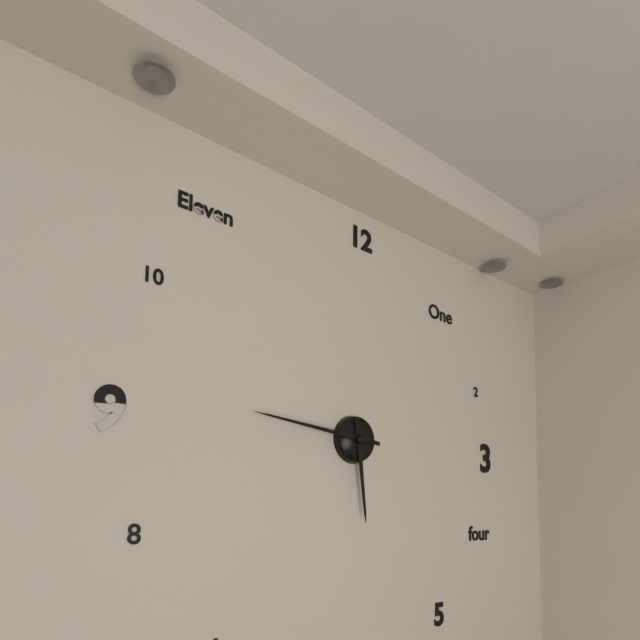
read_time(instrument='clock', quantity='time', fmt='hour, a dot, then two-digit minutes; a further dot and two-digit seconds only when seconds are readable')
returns 5.46
